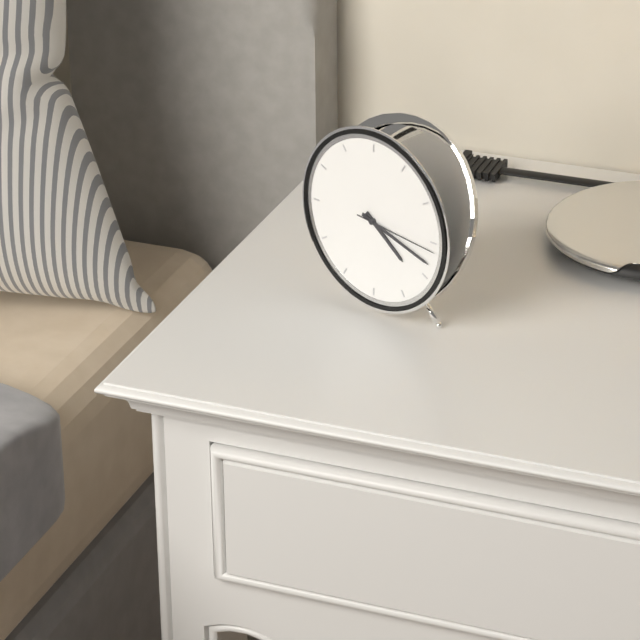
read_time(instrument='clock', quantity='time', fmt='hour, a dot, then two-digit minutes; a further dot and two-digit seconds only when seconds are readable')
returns 4.18.16
